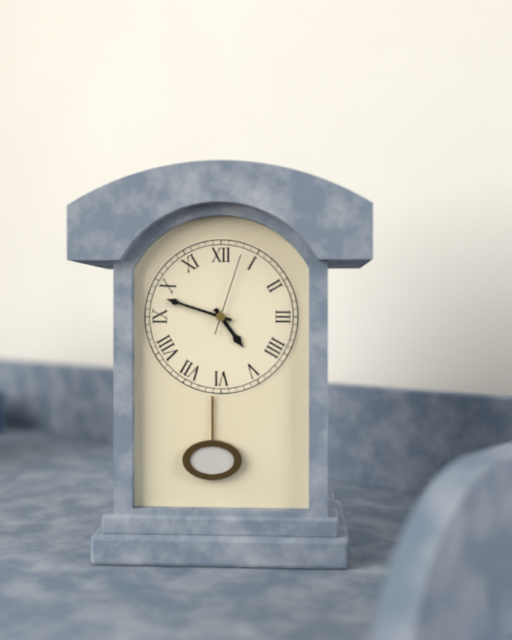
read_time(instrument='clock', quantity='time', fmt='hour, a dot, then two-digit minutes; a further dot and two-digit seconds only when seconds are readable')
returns 4.48.03
